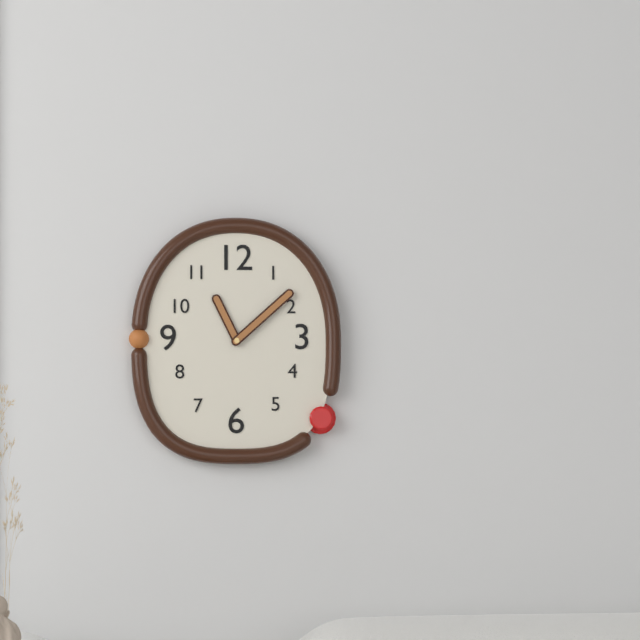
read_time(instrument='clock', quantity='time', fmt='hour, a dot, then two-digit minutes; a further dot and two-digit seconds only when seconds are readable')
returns 11.08
